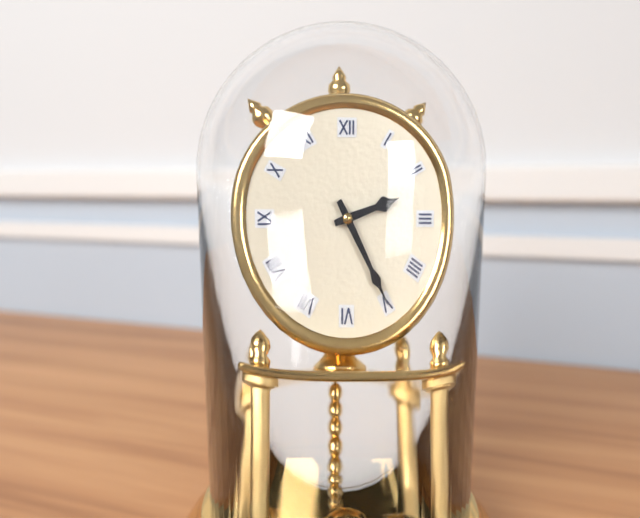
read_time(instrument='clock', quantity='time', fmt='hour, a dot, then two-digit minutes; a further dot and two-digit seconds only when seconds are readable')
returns 2.25
